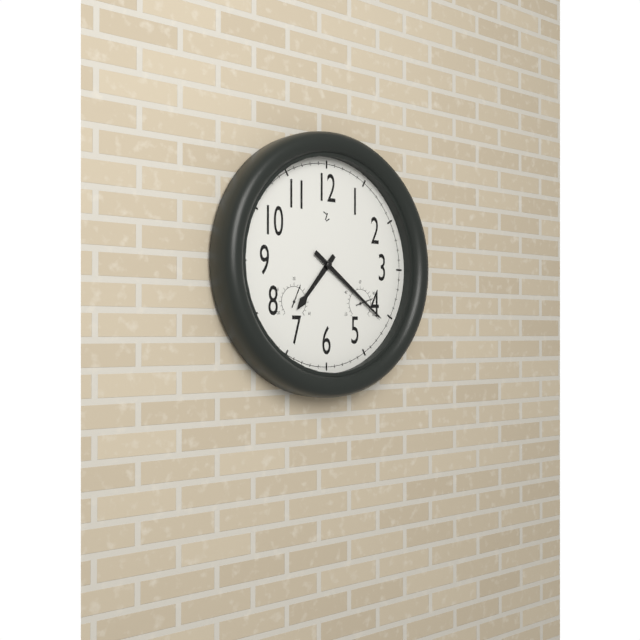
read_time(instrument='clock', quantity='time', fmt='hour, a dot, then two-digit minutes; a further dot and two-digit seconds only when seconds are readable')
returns 7.21
